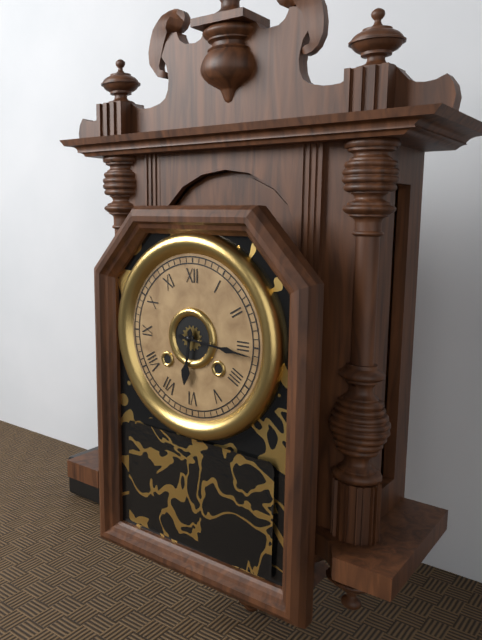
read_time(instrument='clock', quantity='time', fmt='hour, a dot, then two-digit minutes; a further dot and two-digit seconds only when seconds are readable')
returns 6.16
